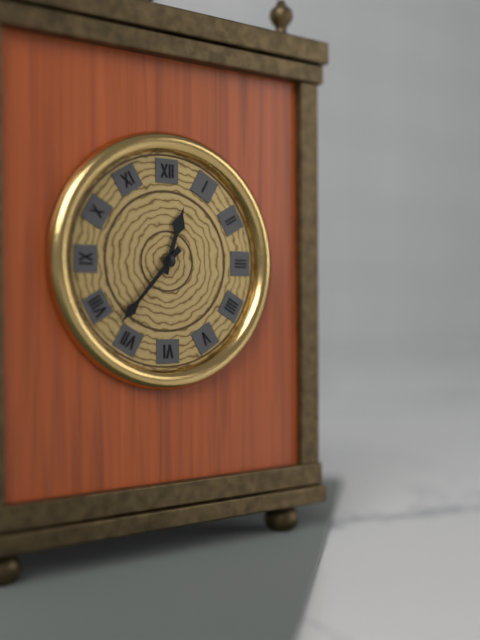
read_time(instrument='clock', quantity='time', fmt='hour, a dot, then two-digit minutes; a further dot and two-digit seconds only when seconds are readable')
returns 12.37
